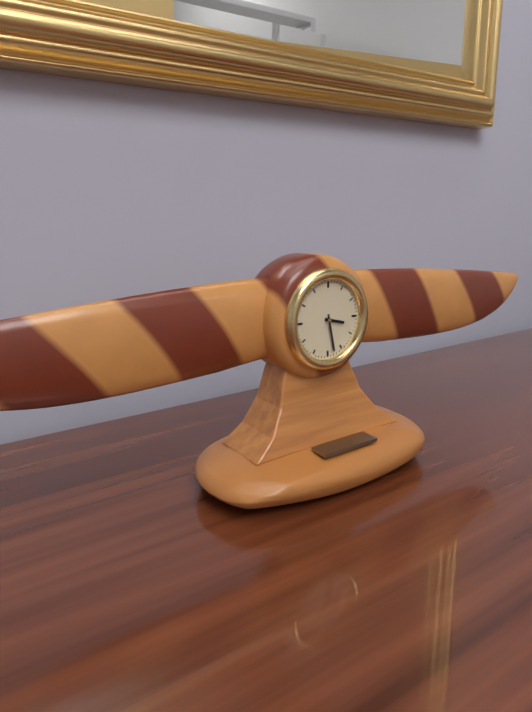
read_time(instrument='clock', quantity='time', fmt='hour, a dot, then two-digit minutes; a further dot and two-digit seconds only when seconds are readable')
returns 3.28
